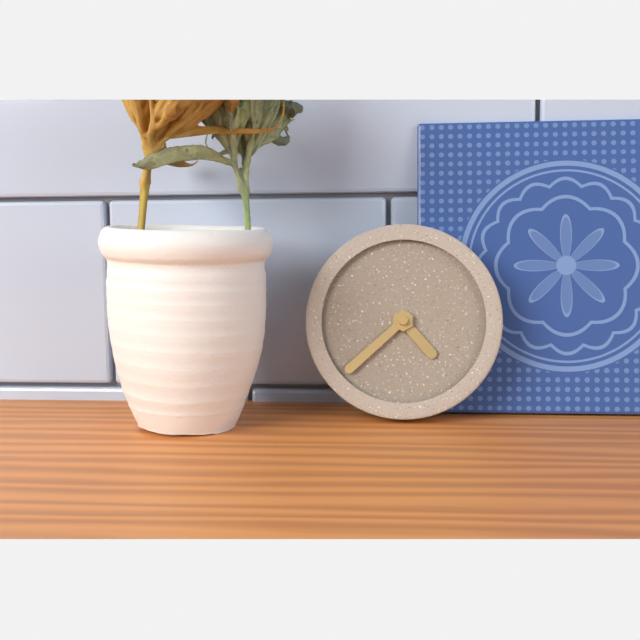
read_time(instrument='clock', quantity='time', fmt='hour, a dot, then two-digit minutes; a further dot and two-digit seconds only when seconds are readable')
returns 4.38
